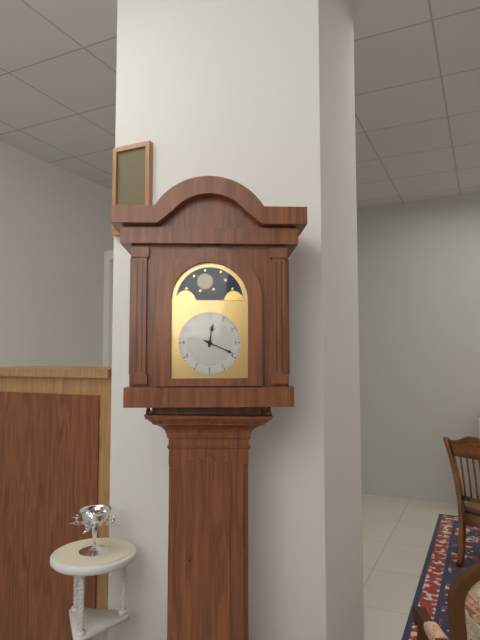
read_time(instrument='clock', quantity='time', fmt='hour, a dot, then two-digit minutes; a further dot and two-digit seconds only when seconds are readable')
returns 12.19
